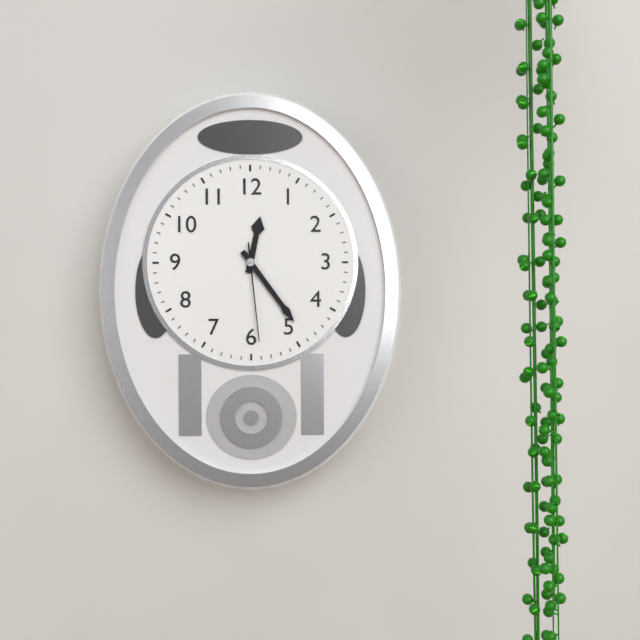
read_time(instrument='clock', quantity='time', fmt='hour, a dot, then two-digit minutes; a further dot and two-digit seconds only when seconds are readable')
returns 12.24.29
